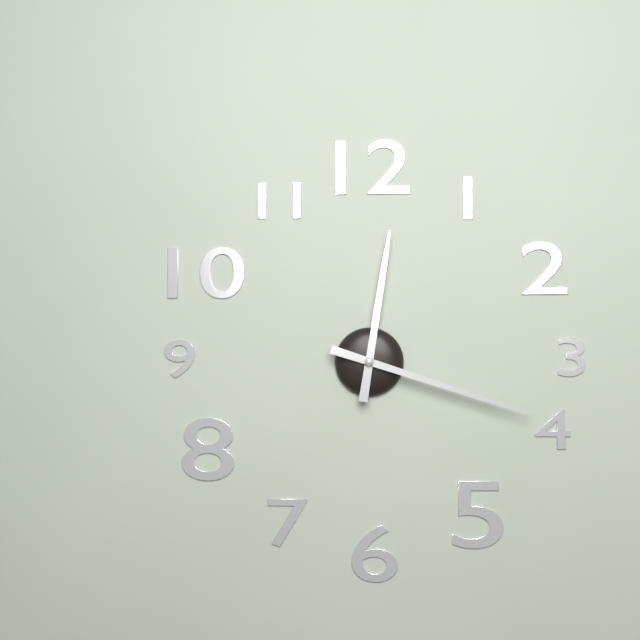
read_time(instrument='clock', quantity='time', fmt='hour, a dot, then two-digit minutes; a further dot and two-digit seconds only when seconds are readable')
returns 12.18
